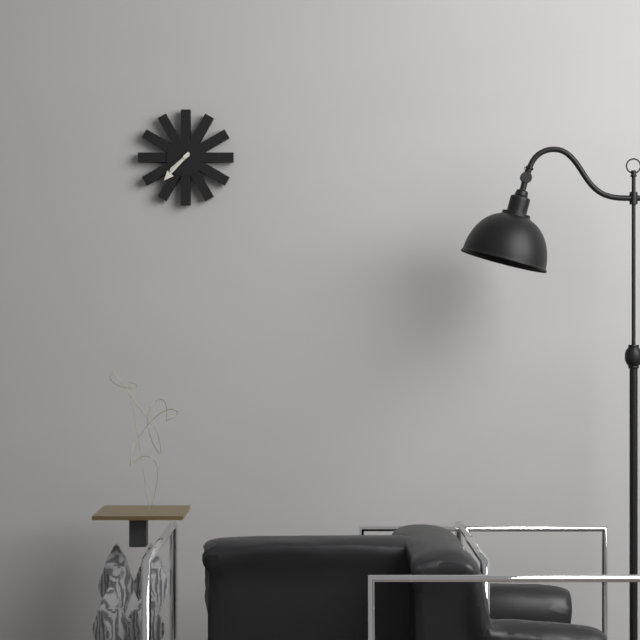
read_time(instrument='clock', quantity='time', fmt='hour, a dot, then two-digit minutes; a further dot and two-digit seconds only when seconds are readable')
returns 7.37
